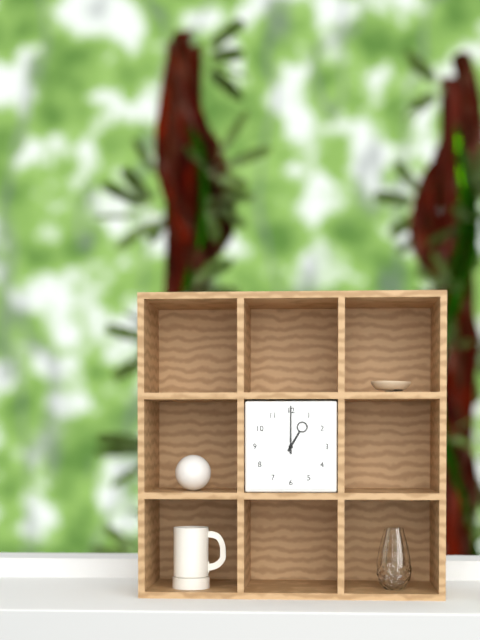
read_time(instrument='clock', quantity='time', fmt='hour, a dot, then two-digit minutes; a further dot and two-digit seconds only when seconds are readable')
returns 1.00
